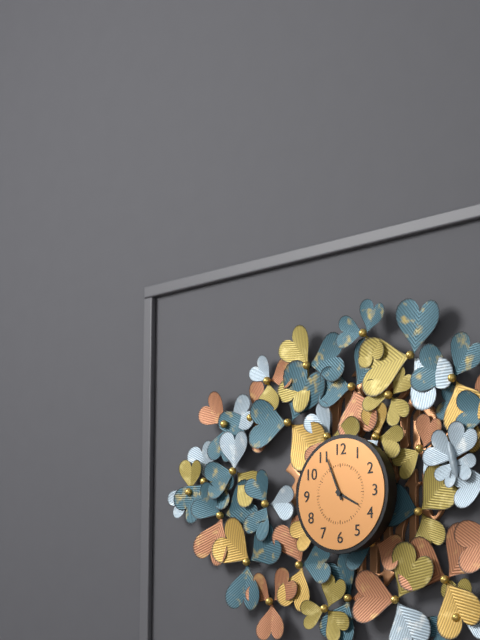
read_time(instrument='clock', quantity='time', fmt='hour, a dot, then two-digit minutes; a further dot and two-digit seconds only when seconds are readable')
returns 3.56
